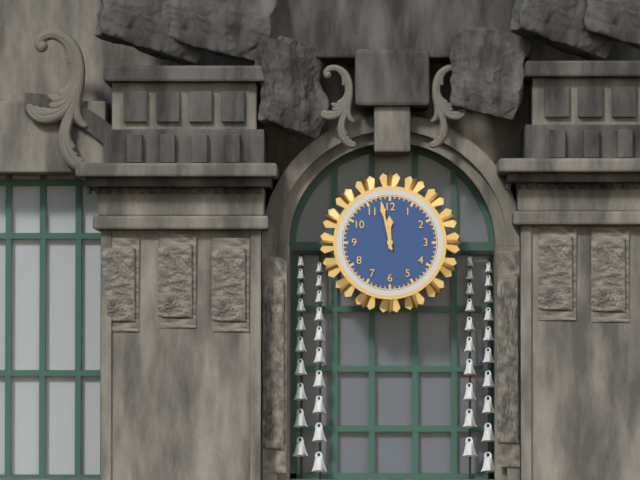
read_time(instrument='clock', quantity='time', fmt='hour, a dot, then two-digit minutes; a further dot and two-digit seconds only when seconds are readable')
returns 11.58
